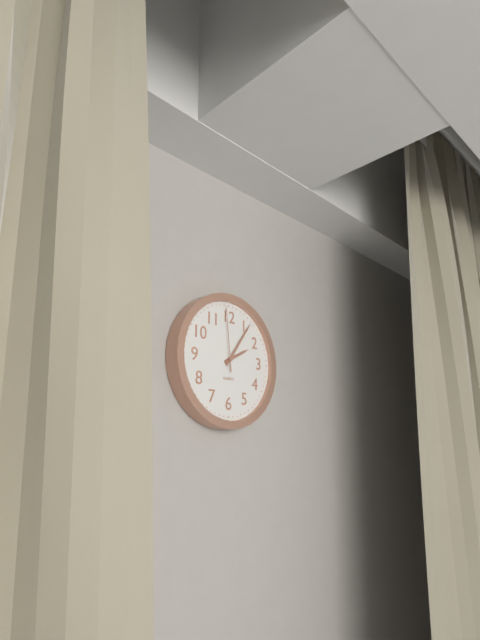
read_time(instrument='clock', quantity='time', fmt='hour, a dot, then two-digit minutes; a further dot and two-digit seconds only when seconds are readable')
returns 2.06.59
